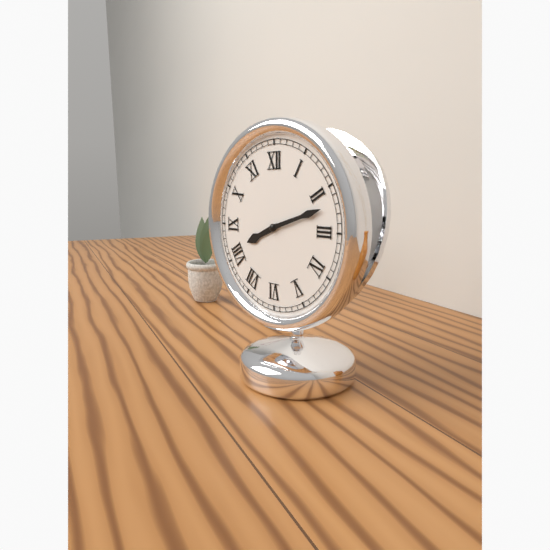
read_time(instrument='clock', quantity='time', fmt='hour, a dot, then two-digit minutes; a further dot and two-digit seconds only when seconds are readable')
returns 8.12
